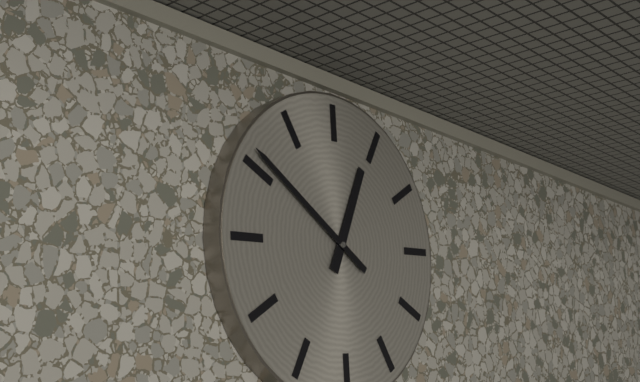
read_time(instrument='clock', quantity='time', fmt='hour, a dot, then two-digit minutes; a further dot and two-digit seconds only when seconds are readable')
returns 12.51
